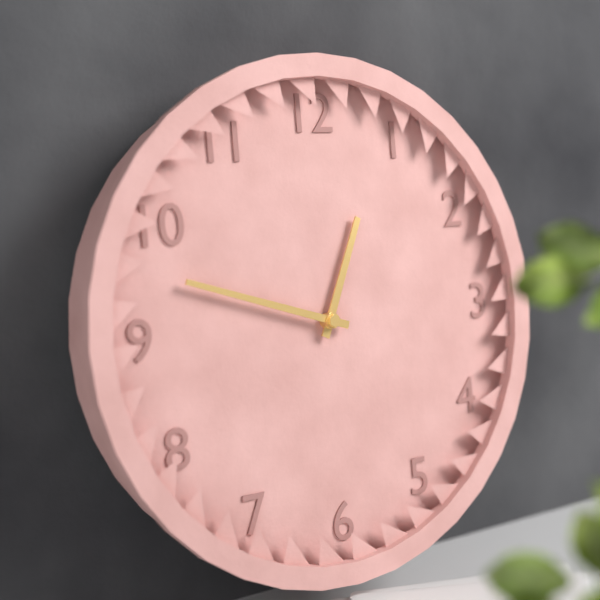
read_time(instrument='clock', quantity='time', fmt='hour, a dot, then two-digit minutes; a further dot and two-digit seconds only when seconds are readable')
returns 12.48
